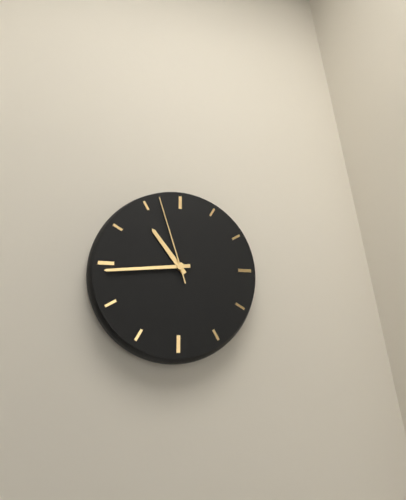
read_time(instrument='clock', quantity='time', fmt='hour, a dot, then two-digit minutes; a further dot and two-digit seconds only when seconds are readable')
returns 10.44.57
